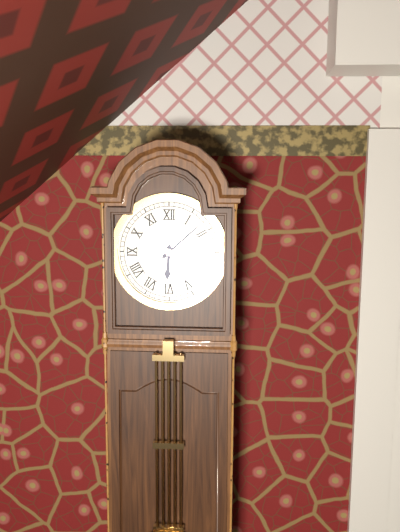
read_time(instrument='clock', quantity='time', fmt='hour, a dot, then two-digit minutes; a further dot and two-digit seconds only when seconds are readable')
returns 6.08
